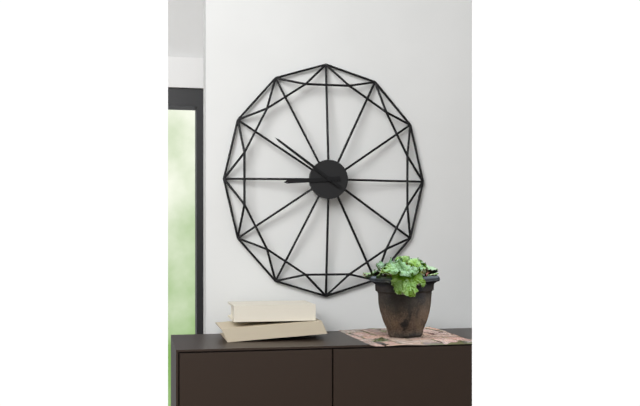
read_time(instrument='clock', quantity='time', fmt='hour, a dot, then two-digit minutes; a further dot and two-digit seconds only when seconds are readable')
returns 8.51
